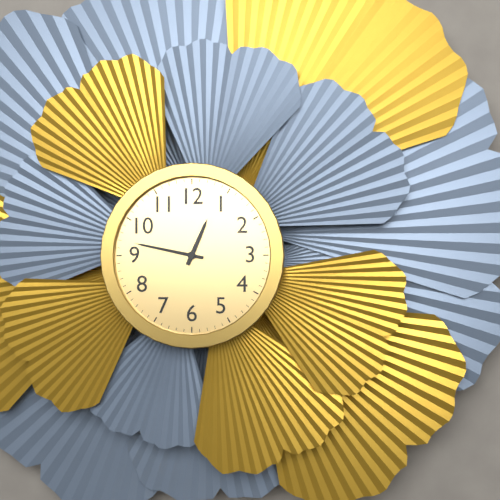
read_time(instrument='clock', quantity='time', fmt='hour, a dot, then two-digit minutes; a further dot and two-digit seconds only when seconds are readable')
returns 12.47
